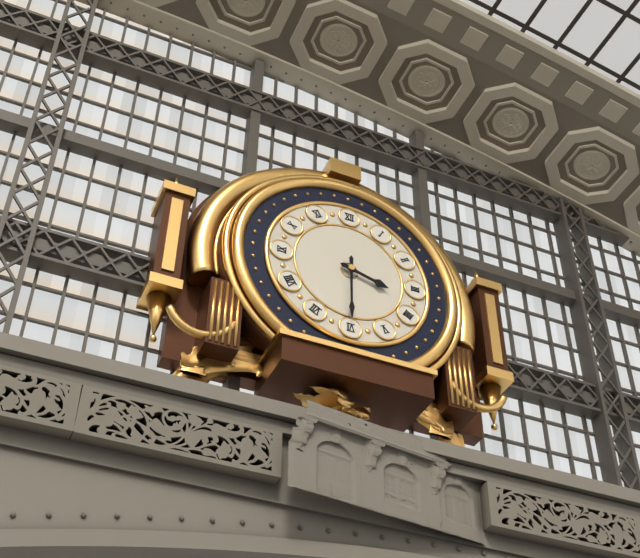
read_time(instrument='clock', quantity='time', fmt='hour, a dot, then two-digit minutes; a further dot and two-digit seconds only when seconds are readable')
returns 3.30
